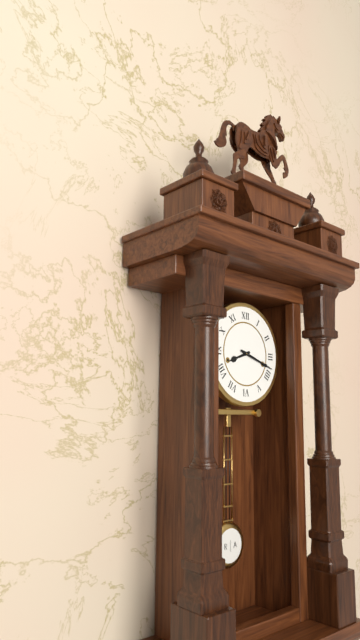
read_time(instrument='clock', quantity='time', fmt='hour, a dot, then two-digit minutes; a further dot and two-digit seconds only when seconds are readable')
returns 8.18
